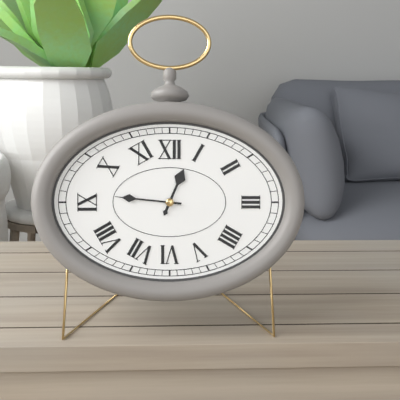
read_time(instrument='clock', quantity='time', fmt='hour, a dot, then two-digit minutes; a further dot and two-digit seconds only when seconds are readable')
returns 12.46
